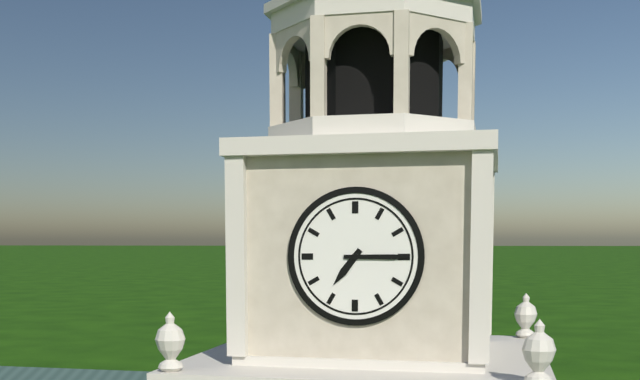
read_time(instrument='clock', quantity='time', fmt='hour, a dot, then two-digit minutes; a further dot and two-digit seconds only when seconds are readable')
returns 7.15
